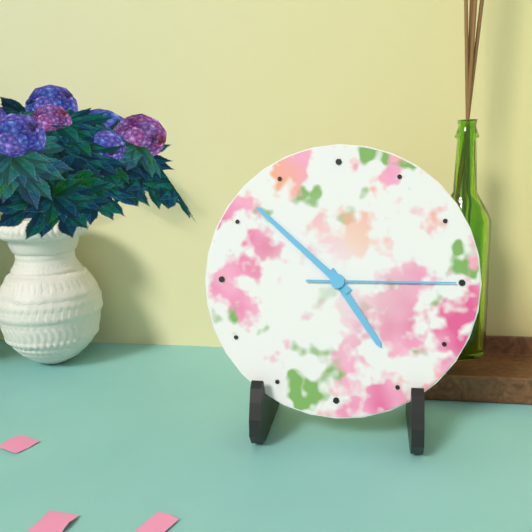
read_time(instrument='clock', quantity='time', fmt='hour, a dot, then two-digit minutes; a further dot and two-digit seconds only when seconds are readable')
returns 4.52.15
